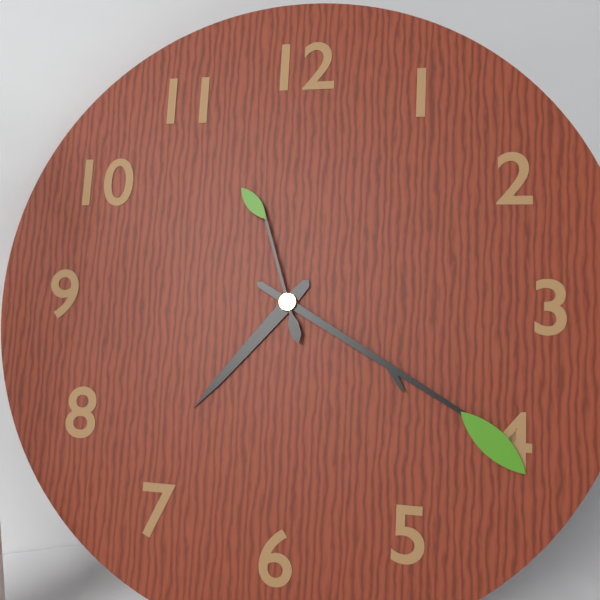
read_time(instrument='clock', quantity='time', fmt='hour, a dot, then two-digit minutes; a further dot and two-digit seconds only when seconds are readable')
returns 7.20.57
